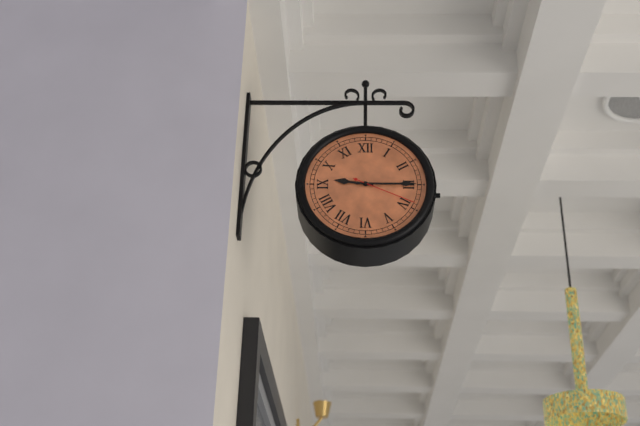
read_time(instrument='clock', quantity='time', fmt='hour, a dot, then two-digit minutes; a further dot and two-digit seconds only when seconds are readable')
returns 9.15.19
